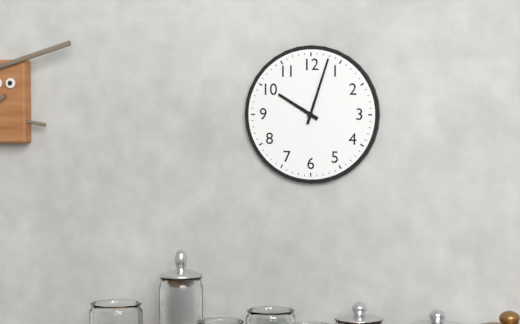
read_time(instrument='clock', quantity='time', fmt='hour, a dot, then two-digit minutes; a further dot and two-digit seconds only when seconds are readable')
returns 10.03
